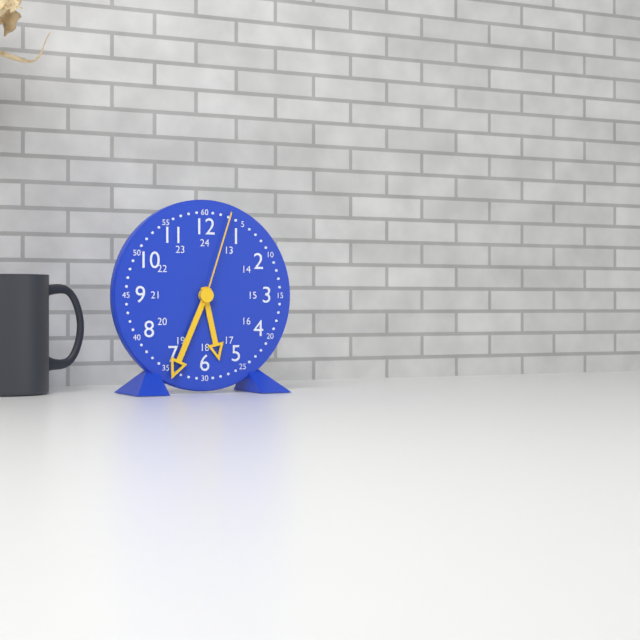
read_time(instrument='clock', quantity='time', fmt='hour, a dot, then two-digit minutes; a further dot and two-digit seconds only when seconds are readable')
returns 5.34.03
